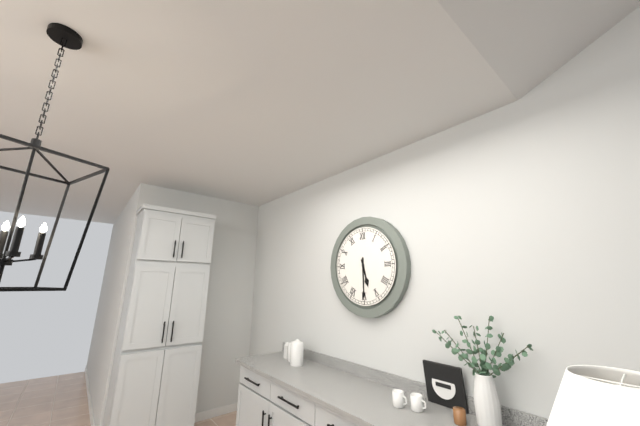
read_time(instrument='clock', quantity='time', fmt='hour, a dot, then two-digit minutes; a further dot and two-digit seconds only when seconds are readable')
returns 5.30
